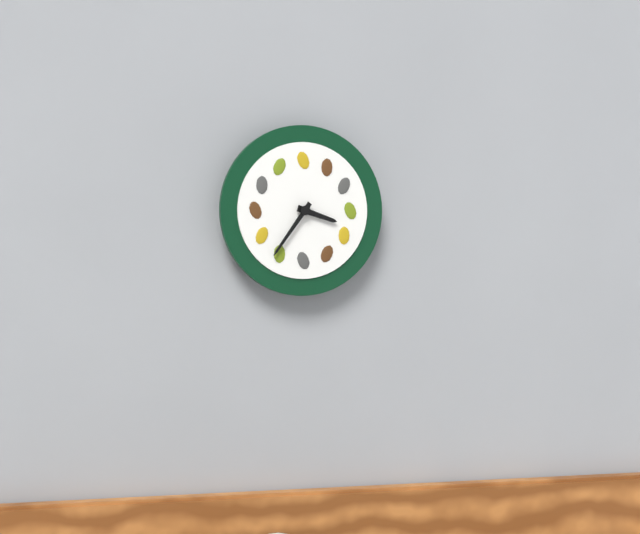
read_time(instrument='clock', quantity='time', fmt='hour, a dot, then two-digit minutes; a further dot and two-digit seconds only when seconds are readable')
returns 3.36
